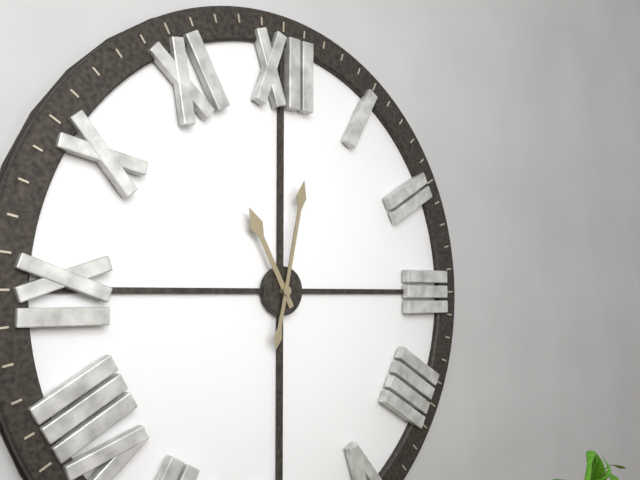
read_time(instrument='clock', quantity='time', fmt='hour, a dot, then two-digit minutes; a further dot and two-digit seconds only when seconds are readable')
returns 11.02
